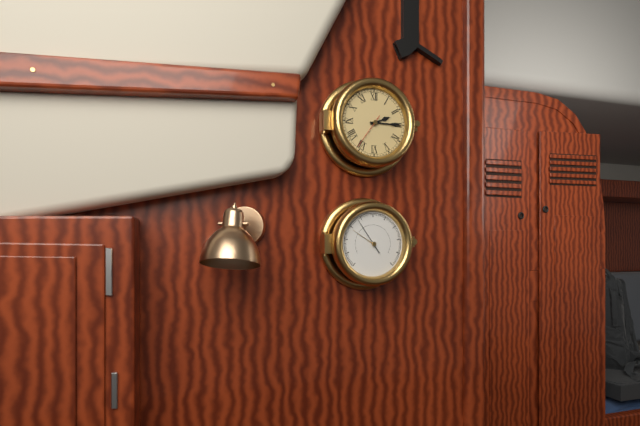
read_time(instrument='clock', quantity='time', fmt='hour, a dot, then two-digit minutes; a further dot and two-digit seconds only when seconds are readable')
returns 2.15
